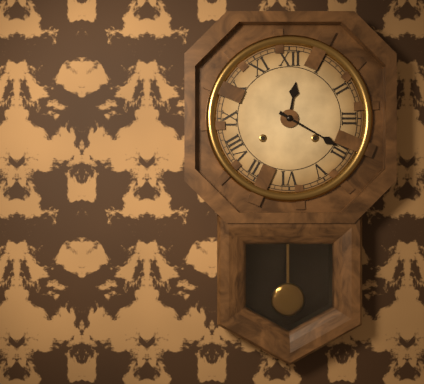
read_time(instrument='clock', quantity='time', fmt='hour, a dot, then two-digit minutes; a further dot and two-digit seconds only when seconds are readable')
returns 12.20
